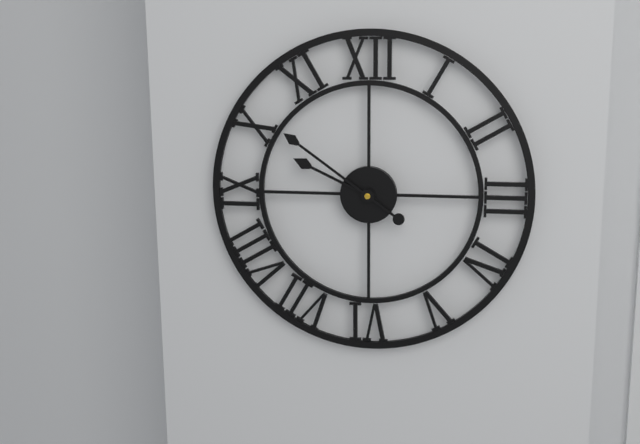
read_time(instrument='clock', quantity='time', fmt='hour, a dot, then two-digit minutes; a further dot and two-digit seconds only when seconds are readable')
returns 9.51
